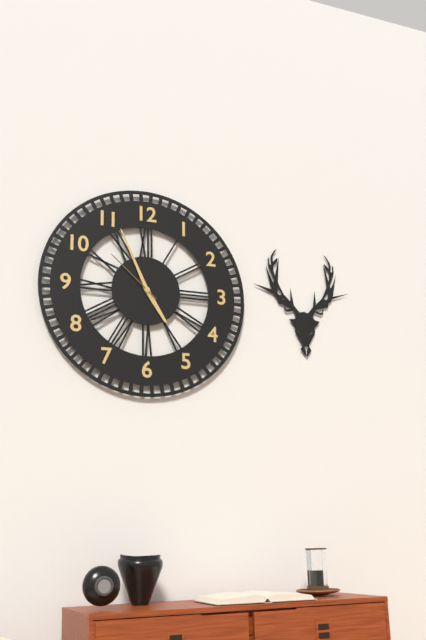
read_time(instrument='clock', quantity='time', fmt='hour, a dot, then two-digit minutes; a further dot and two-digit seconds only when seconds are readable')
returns 4.56.52
